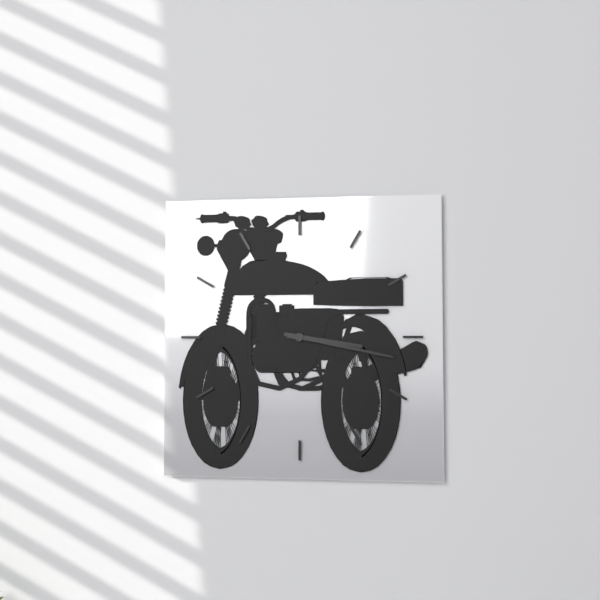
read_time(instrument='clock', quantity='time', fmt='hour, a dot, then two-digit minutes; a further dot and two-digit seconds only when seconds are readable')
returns 3.17
